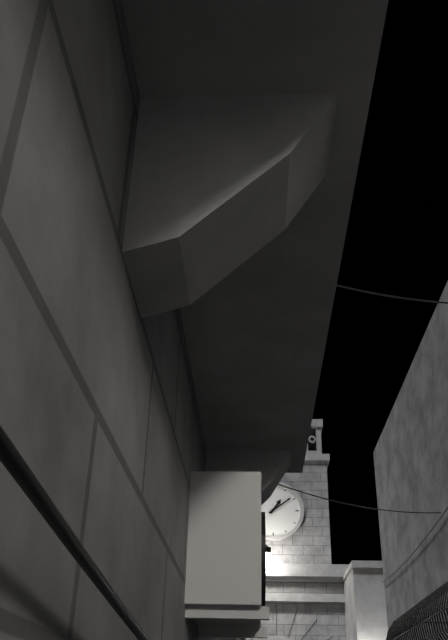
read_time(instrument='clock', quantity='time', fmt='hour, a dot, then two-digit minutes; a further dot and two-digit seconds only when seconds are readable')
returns 1.09
